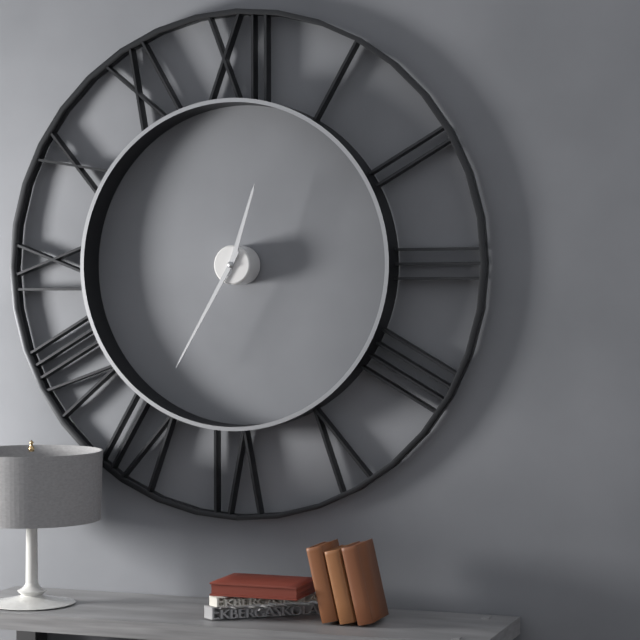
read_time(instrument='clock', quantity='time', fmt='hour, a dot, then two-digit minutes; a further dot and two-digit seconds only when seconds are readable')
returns 12.35
